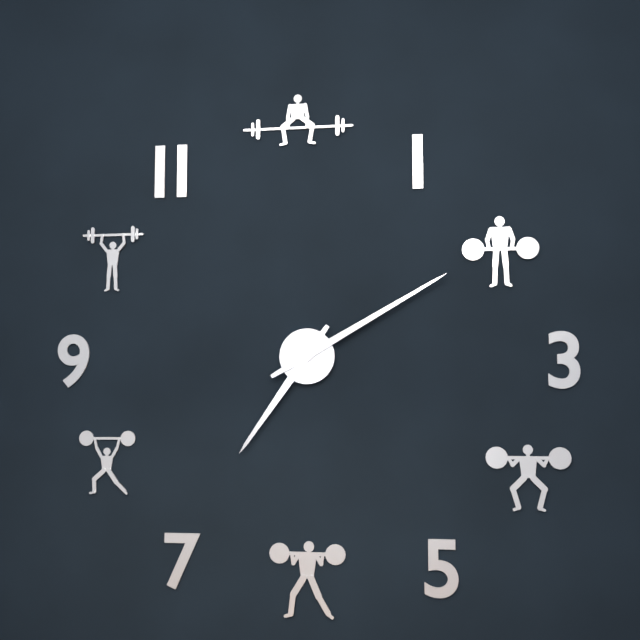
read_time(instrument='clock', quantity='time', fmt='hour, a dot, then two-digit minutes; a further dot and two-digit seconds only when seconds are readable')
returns 7.10
